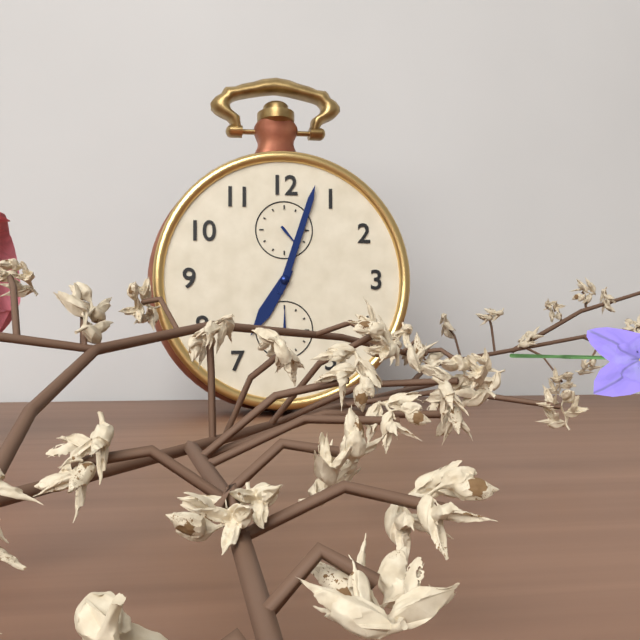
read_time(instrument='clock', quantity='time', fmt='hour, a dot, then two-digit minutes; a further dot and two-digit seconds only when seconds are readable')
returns 7.03
